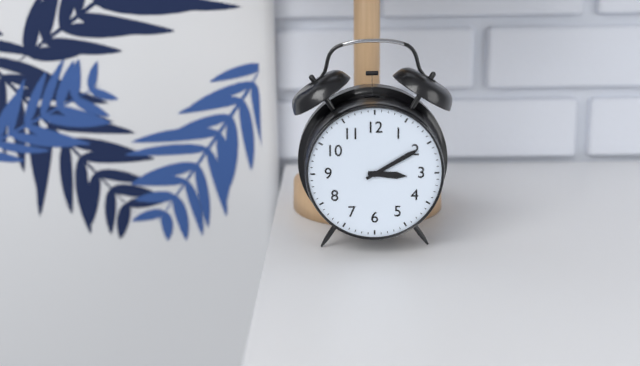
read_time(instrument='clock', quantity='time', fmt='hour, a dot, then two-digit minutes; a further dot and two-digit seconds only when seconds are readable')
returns 3.10
